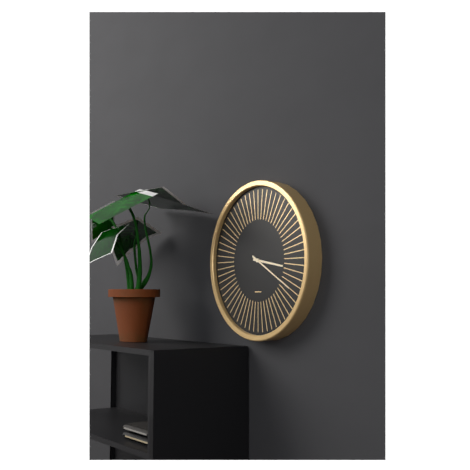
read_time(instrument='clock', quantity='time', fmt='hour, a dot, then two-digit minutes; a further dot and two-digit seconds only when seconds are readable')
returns 3.20
